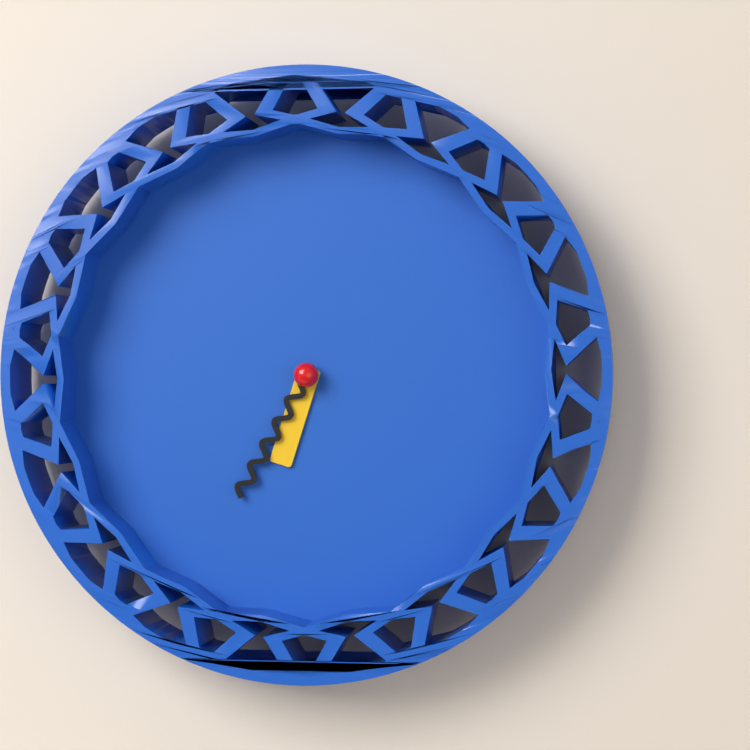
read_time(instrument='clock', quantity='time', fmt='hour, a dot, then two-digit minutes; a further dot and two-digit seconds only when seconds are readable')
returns 6.35
